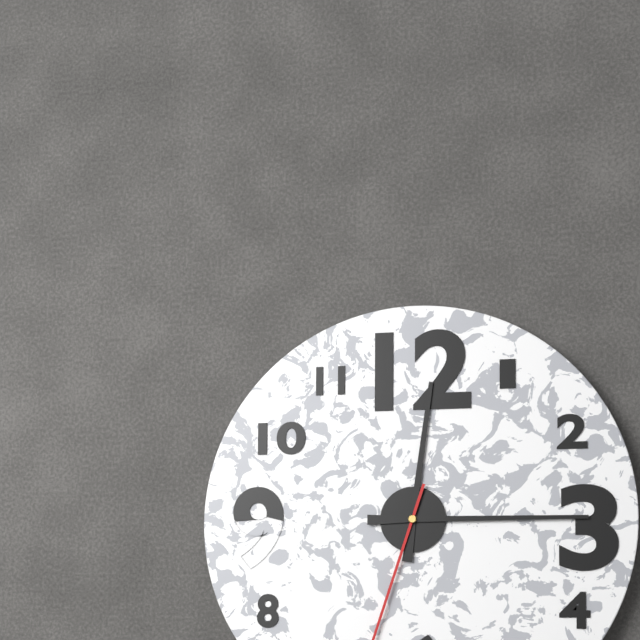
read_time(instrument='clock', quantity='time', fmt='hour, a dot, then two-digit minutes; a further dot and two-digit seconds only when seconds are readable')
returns 12.15
